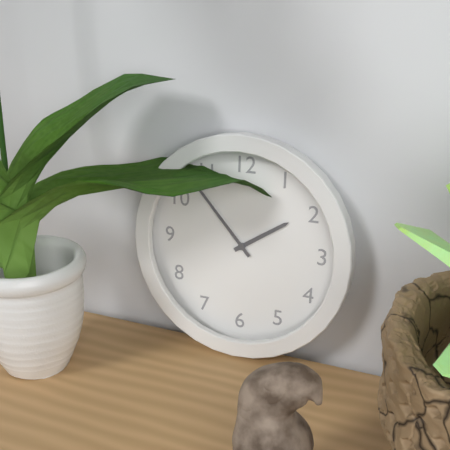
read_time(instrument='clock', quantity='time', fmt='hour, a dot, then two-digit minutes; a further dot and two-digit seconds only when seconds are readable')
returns 1.53
